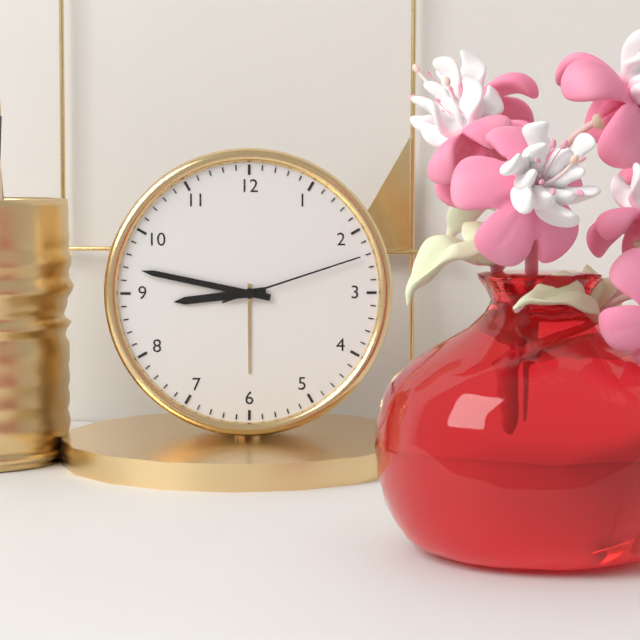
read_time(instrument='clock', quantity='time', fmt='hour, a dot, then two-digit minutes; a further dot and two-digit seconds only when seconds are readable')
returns 8.47.12
